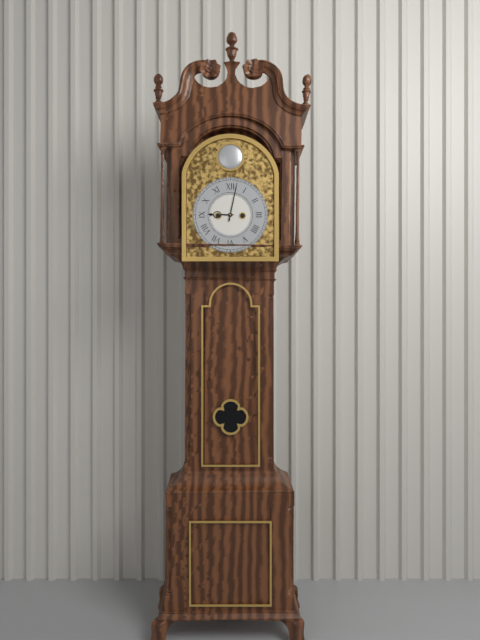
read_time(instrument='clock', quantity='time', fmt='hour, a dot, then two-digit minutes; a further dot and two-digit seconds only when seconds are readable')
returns 9.02
